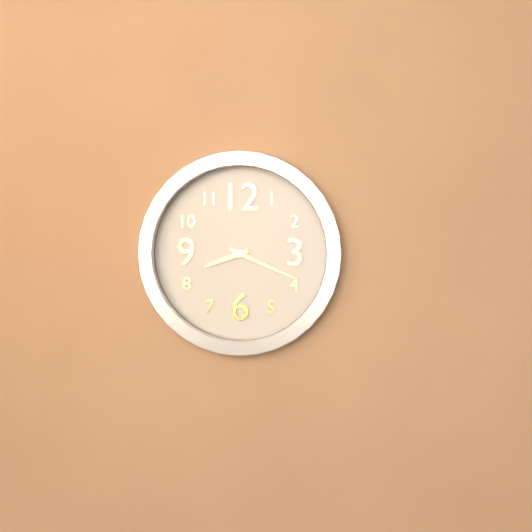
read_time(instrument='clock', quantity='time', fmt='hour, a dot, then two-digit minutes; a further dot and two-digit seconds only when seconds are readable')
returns 8.19
